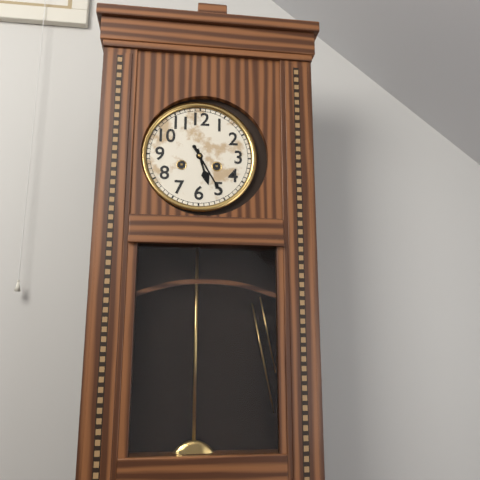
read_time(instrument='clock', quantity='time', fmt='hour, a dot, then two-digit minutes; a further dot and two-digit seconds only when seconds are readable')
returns 5.25
